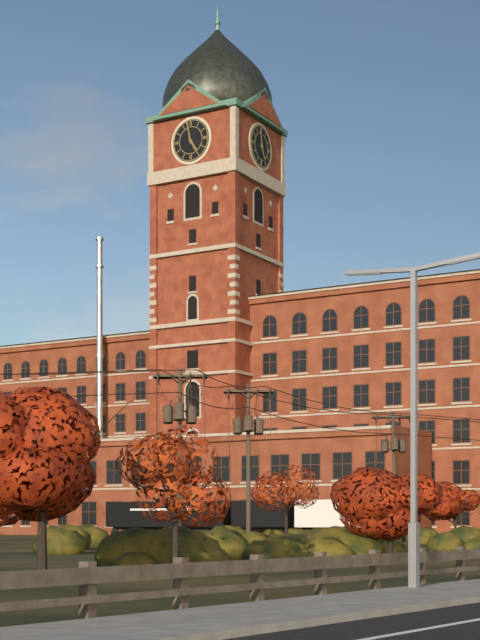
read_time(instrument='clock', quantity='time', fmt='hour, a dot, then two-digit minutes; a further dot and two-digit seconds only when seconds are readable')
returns 4.58
